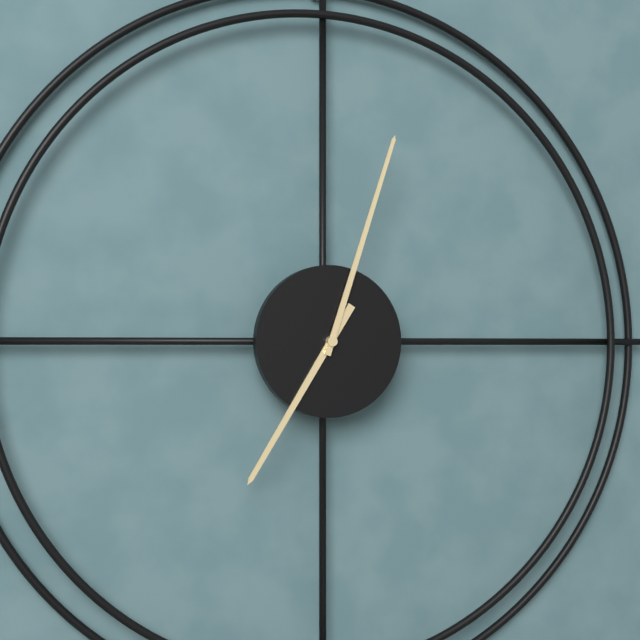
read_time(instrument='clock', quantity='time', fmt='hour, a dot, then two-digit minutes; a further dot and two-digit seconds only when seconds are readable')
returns 7.03
